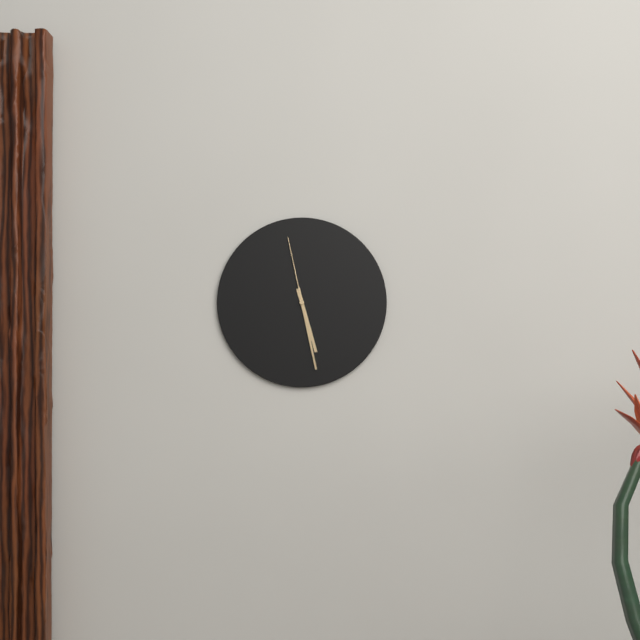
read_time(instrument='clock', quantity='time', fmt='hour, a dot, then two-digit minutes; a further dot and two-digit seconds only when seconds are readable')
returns 5.28.58
